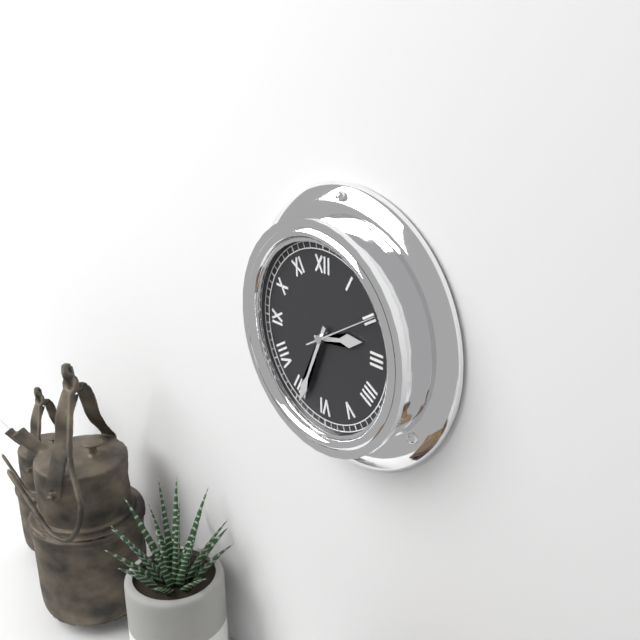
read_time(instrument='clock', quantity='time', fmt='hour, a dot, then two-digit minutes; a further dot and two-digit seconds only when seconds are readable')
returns 2.34
